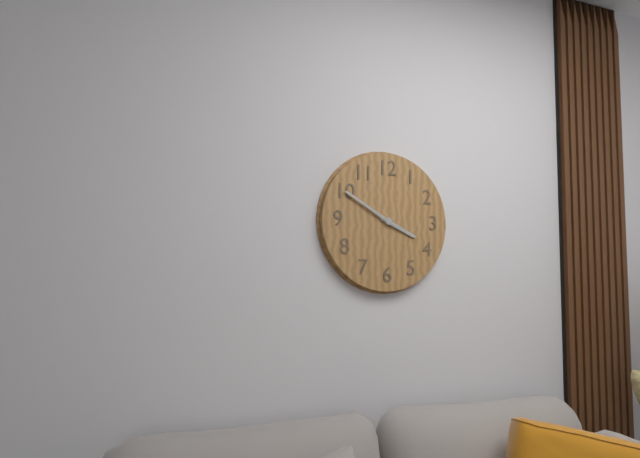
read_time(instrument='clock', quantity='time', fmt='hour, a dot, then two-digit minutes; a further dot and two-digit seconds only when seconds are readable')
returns 3.50
